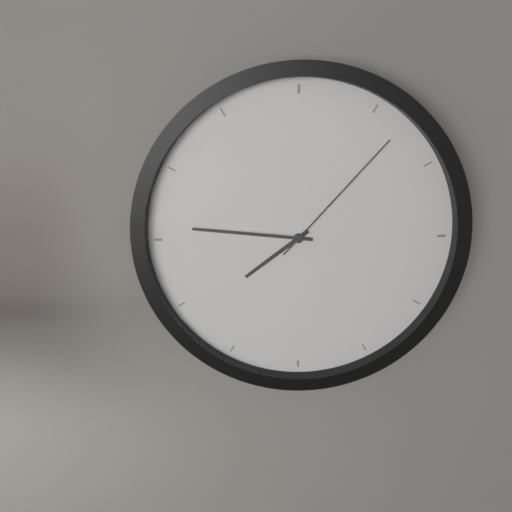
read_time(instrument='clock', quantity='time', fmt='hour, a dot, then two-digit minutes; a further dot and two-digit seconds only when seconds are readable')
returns 7.46.07
